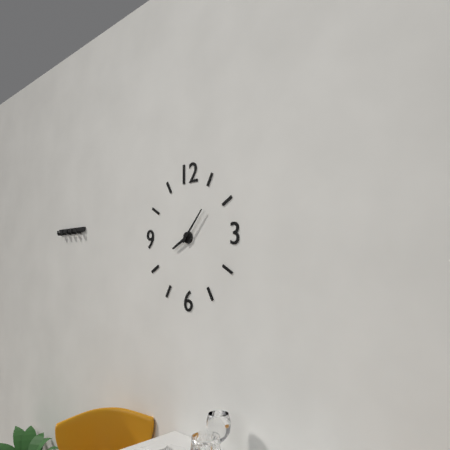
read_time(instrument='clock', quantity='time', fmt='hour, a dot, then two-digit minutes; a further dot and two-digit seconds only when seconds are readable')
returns 8.07
